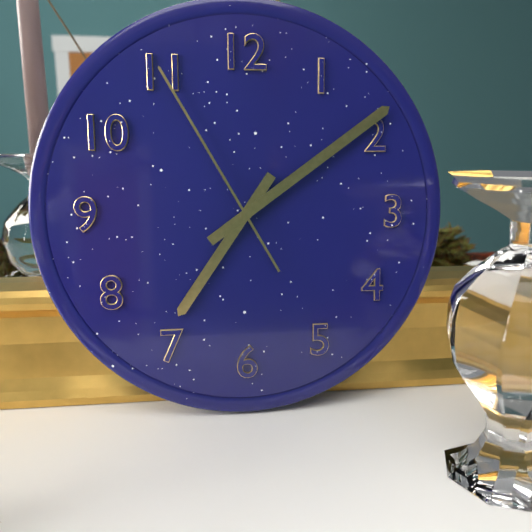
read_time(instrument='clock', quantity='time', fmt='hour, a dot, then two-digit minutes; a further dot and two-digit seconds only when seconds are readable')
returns 7.09.55
